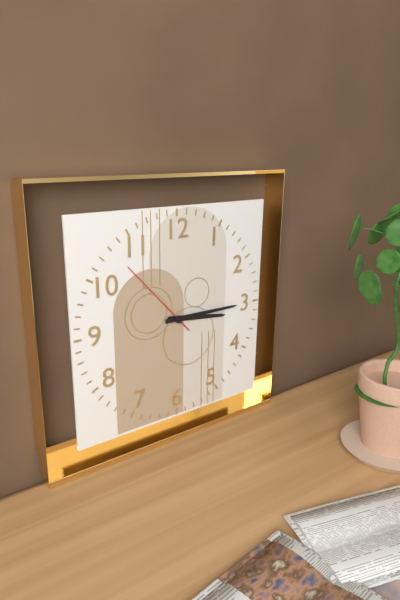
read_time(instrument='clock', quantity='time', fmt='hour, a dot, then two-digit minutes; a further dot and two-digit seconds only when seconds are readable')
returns 3.15.53
